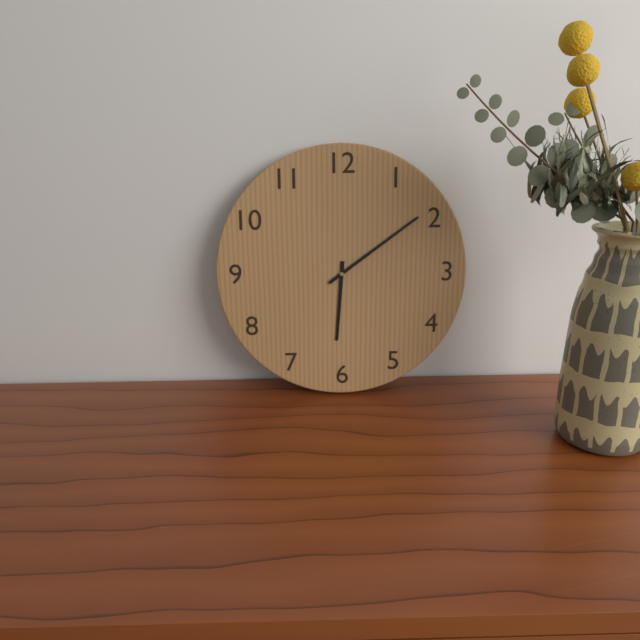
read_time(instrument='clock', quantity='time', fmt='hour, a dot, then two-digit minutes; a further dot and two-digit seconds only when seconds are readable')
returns 6.09
